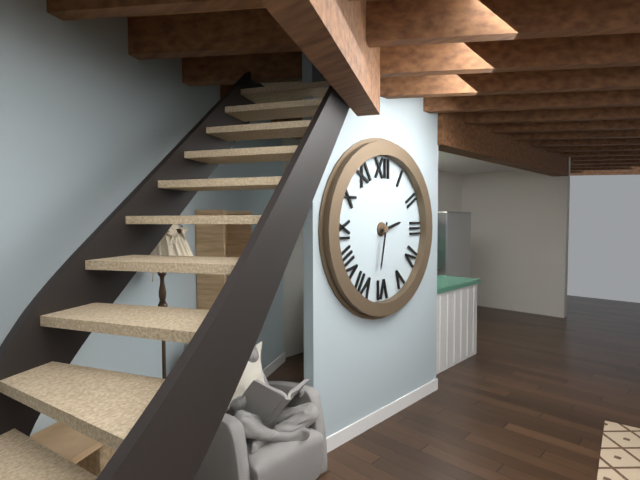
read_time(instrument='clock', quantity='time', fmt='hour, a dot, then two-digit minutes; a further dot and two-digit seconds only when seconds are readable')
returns 2.32
